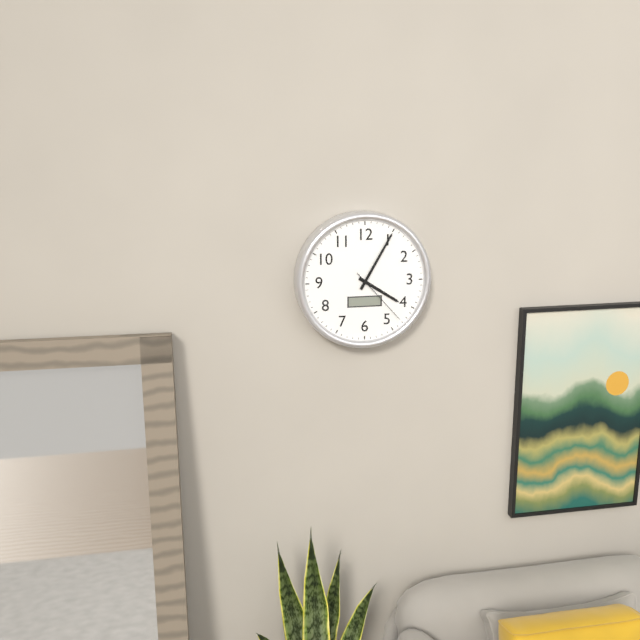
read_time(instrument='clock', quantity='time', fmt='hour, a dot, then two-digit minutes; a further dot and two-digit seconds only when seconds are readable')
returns 4.05.23
